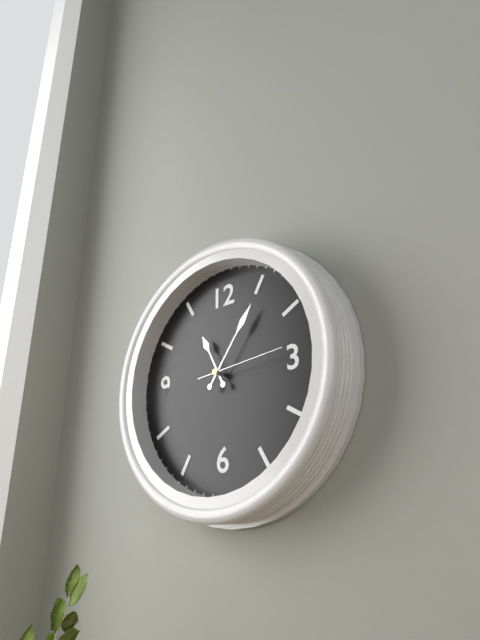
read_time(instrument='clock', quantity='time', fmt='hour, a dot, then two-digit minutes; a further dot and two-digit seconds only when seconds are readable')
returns 11.06.14
